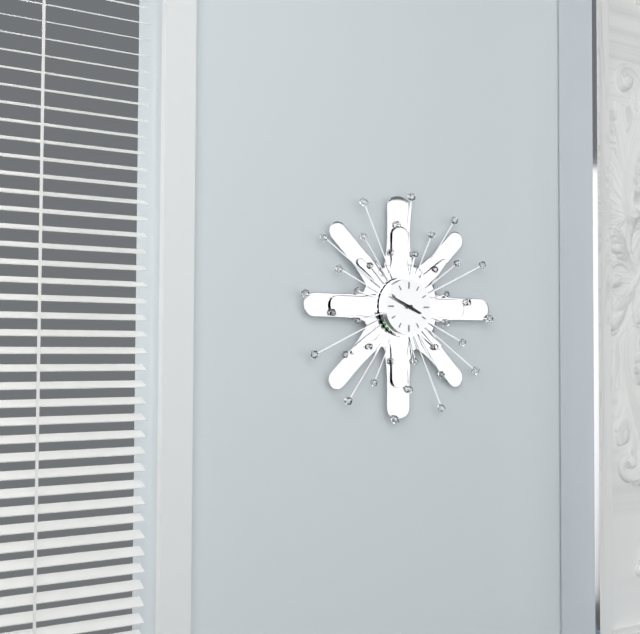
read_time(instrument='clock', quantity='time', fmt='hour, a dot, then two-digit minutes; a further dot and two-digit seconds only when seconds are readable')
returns 3.49
